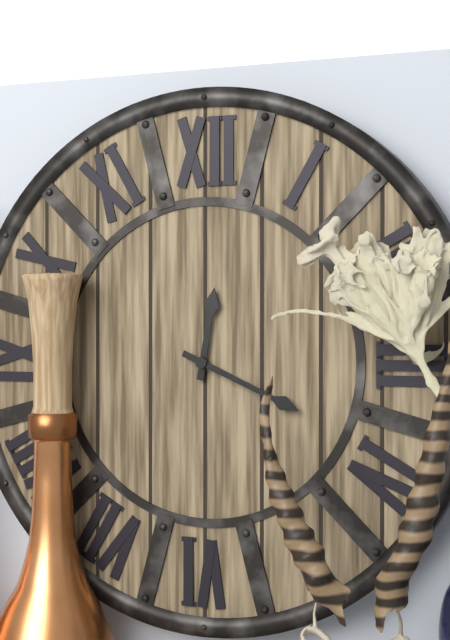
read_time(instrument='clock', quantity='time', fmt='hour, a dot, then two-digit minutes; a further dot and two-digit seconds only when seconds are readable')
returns 12.19
